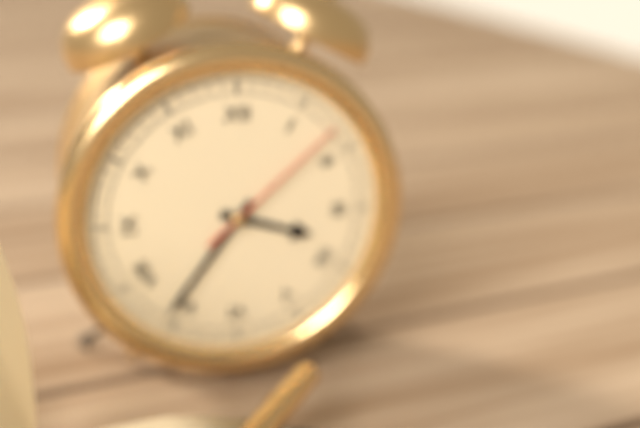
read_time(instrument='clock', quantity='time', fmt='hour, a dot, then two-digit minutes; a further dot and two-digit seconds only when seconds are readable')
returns 3.36.08
